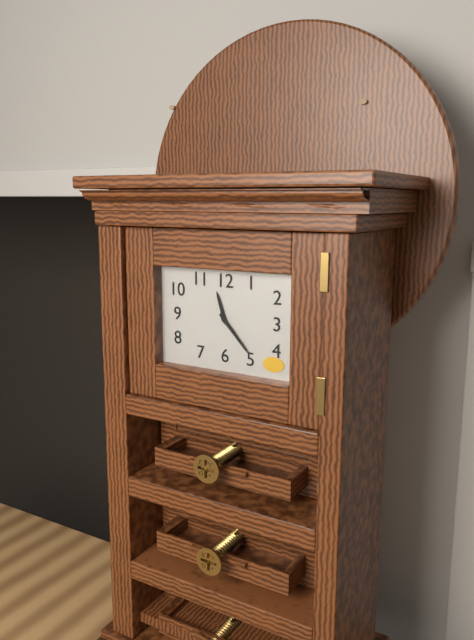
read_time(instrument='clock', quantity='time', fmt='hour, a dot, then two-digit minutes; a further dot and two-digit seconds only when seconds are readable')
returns 11.23
